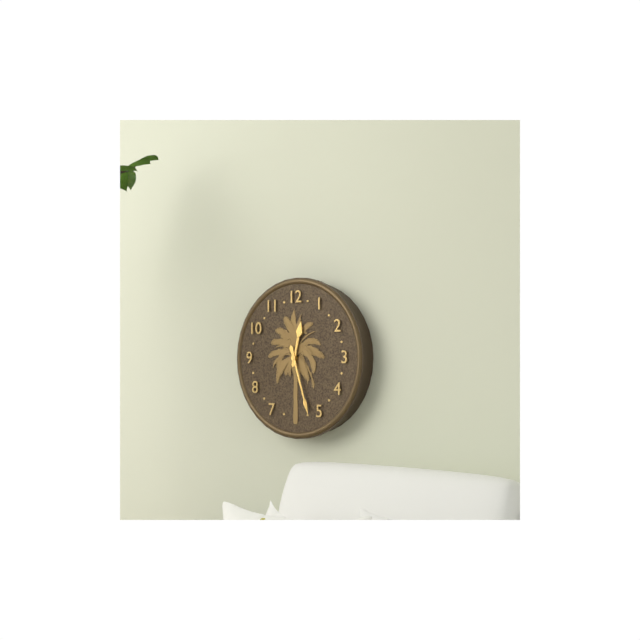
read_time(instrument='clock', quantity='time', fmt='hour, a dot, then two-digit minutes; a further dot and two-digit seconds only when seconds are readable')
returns 12.27
